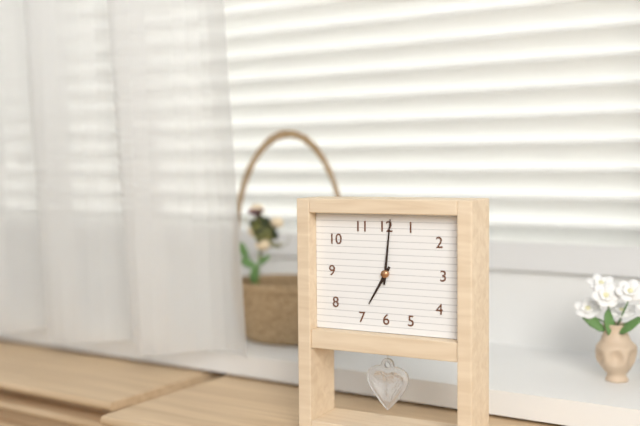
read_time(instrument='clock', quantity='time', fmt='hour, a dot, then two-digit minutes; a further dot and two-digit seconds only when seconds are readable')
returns 7.01
